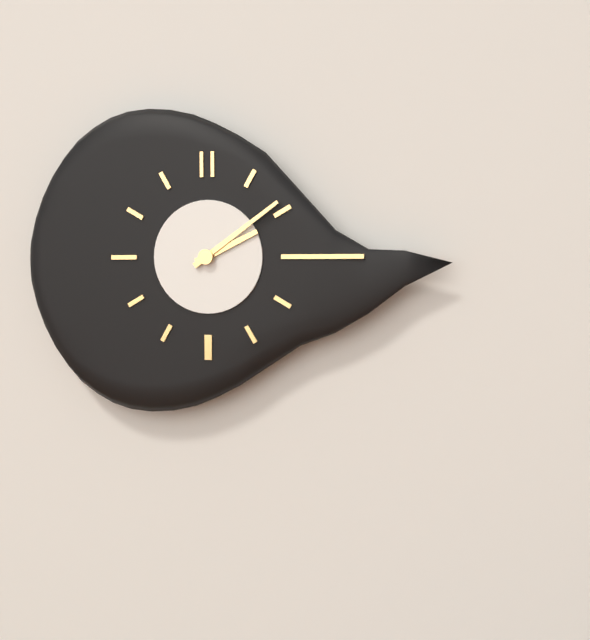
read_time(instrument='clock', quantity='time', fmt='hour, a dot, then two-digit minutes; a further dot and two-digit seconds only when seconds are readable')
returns 2.09
